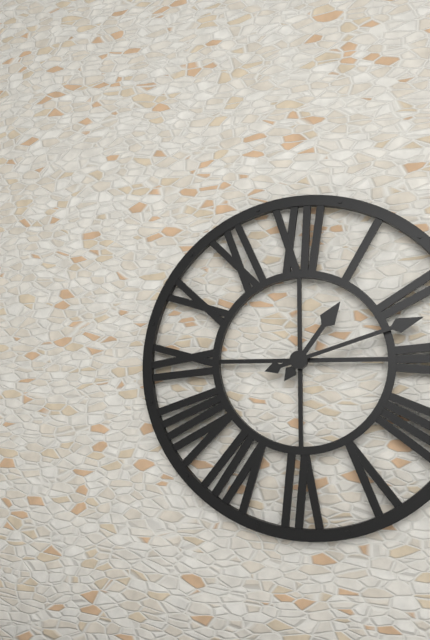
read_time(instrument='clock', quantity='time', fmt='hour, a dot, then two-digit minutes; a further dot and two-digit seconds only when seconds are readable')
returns 1.12
